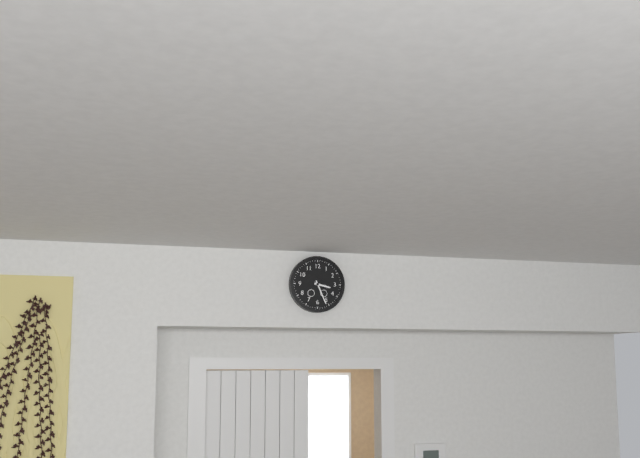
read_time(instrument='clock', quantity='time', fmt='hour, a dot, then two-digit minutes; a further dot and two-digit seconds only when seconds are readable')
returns 3.26
